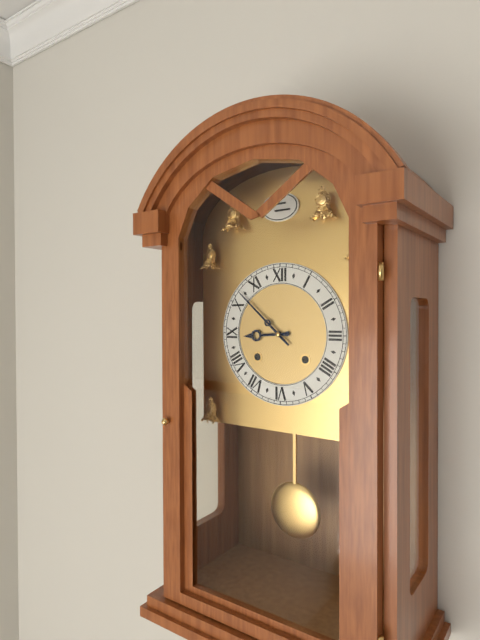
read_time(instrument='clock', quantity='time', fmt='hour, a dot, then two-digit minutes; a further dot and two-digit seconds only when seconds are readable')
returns 8.52
